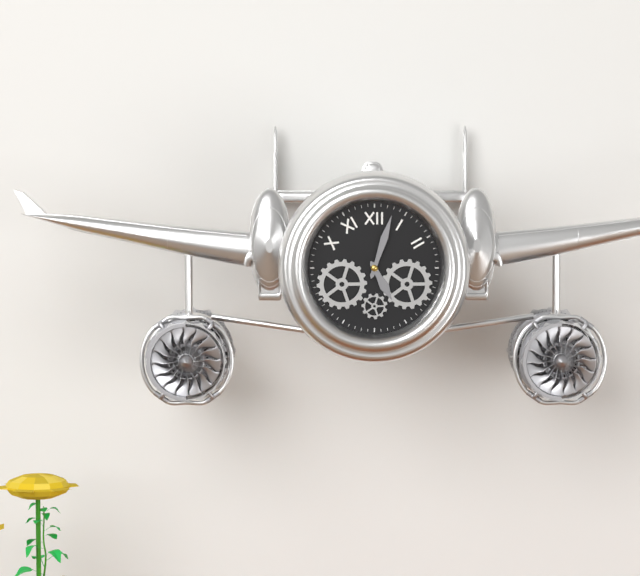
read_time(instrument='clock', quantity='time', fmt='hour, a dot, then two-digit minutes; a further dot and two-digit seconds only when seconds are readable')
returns 5.03
